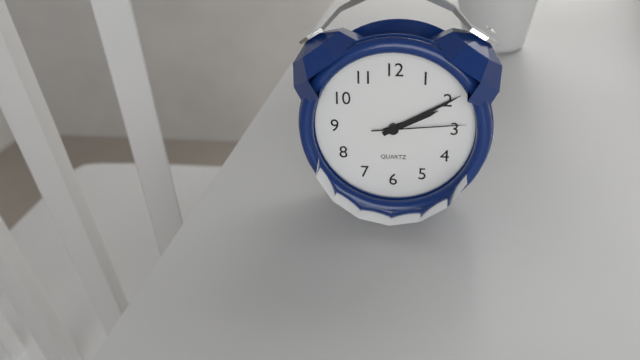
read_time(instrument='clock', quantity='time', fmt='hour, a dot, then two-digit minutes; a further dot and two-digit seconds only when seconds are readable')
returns 2.10.14
